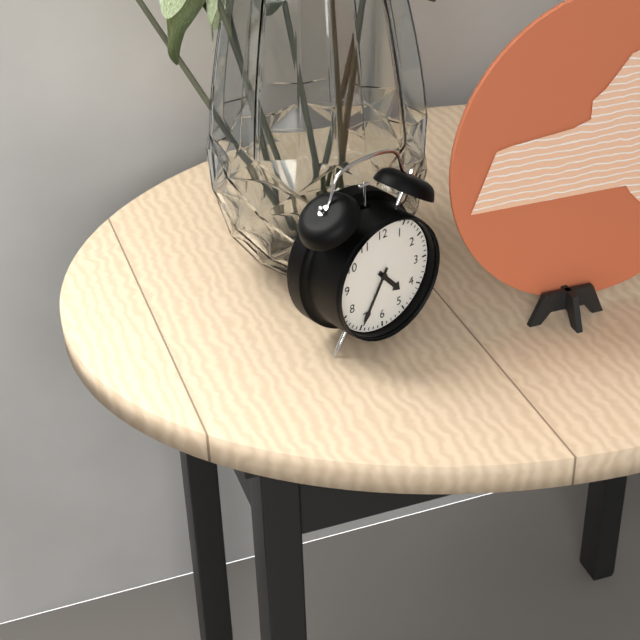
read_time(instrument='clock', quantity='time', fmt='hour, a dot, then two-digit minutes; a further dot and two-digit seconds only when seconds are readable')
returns 4.35
